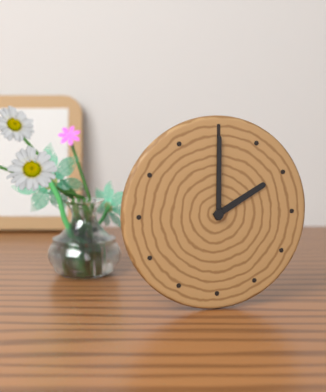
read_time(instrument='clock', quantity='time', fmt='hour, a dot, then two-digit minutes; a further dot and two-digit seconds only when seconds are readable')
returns 2.00
